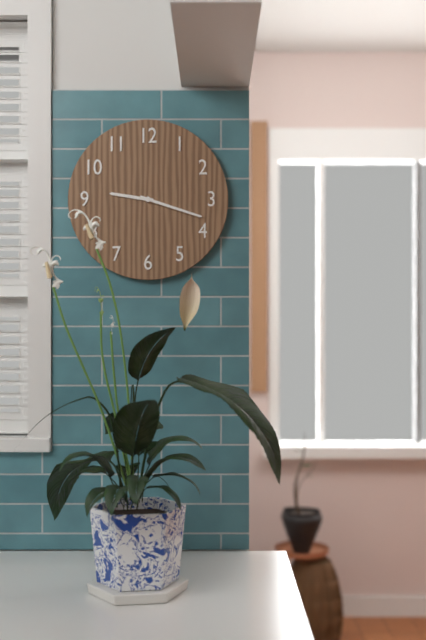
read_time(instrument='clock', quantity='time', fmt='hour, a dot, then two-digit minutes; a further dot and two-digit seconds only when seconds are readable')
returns 9.18
